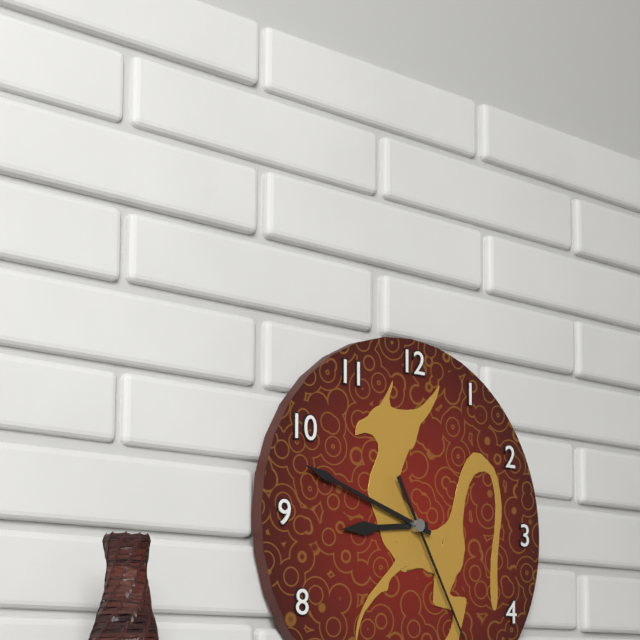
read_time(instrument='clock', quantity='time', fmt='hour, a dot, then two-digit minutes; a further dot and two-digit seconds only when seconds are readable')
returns 8.48
